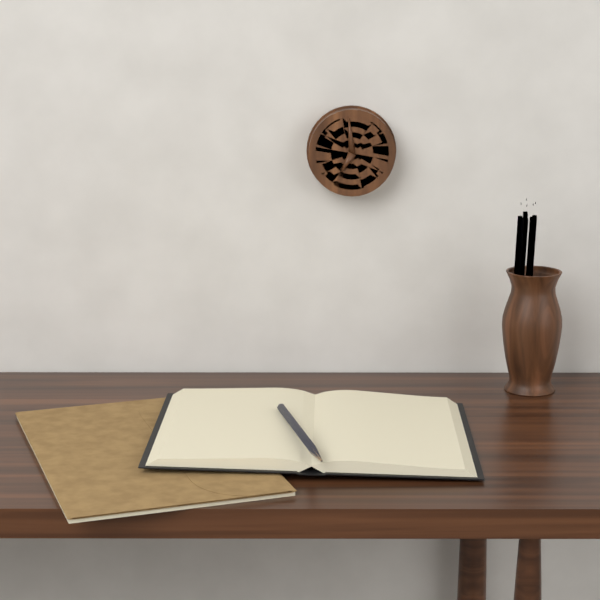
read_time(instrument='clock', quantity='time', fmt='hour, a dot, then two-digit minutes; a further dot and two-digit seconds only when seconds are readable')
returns 6.59
